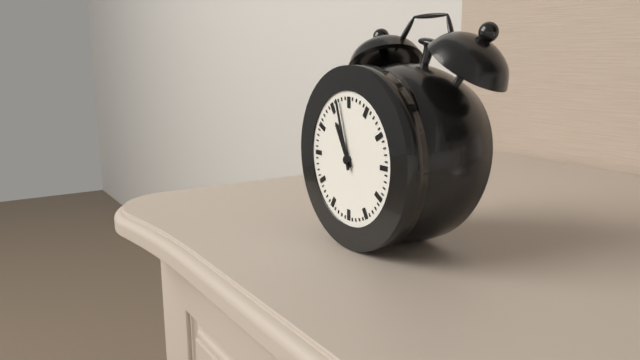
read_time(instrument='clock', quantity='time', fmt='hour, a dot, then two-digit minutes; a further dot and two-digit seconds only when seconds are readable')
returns 10.57
